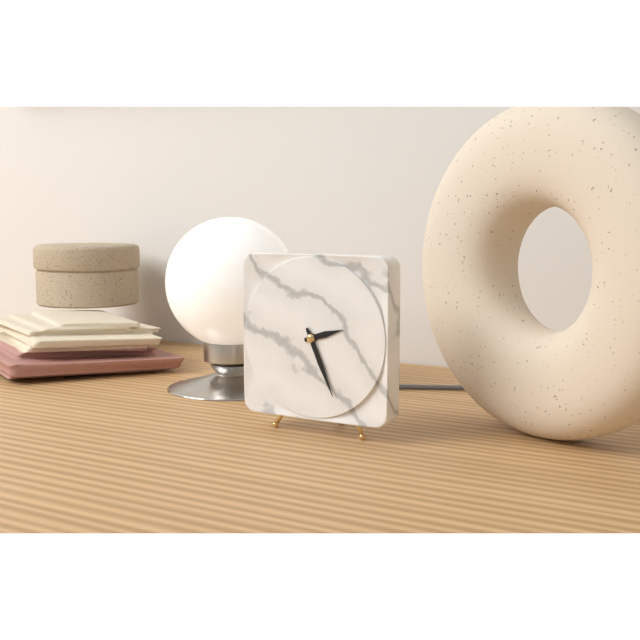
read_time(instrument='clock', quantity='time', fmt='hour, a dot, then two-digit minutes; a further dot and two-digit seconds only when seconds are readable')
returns 2.26
